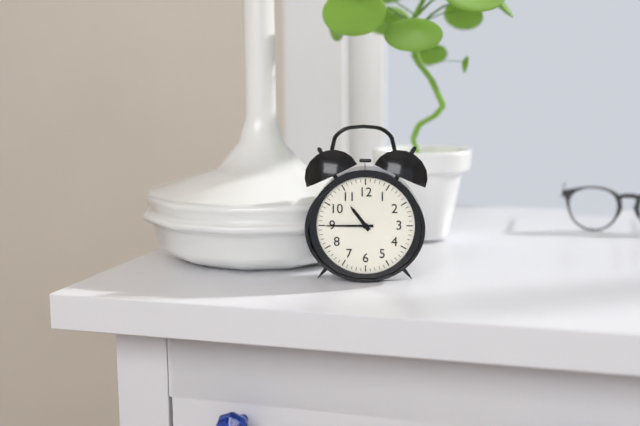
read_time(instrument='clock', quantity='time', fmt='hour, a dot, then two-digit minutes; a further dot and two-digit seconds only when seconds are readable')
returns 10.45
